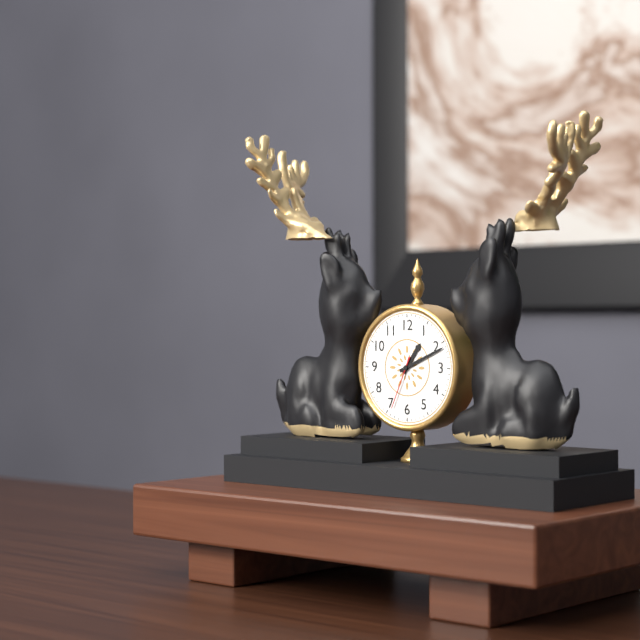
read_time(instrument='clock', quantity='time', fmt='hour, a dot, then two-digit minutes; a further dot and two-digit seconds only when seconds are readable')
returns 1.11.34
